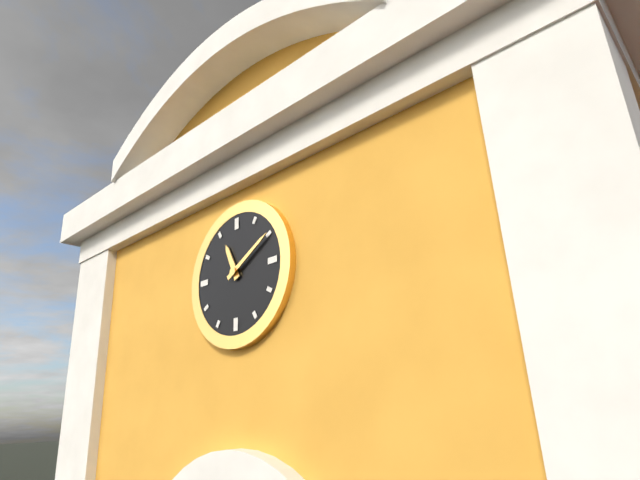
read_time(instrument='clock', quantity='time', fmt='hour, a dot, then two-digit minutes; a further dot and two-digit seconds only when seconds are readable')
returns 11.10
